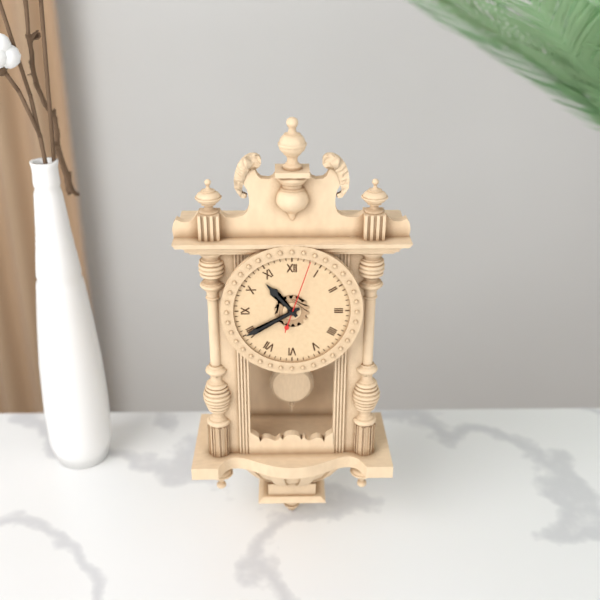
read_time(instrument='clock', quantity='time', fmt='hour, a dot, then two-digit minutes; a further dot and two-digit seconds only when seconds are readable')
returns 10.40.03
